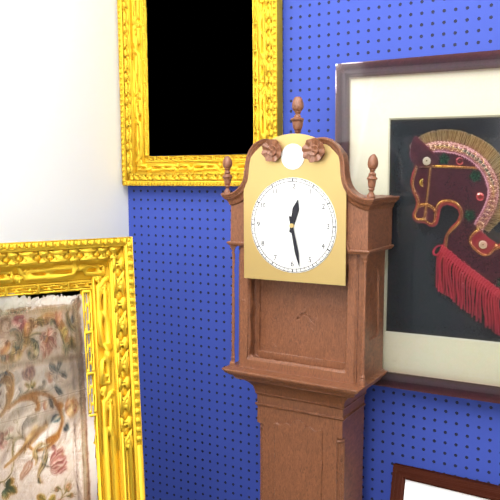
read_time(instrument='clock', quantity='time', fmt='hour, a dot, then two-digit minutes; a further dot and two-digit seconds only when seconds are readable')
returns 12.28
